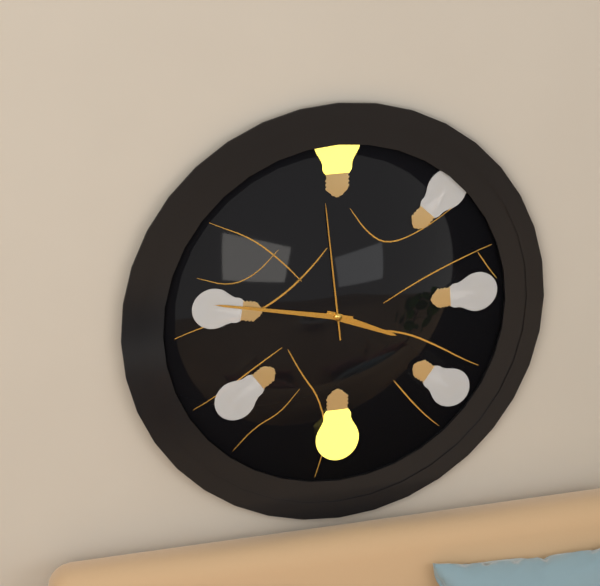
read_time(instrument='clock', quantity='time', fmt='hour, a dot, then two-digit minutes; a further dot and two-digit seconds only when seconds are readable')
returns 3.47.59
